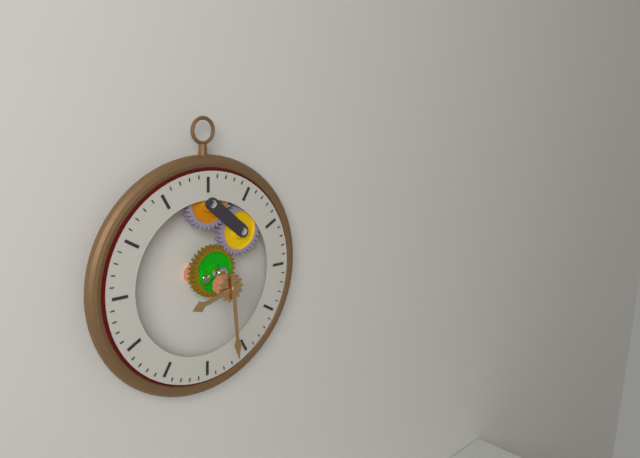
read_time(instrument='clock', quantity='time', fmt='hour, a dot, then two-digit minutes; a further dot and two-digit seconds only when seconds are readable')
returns 8.29
